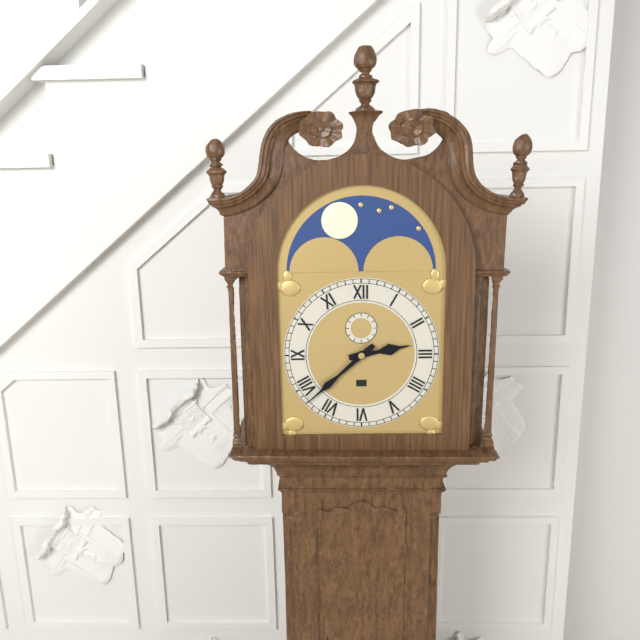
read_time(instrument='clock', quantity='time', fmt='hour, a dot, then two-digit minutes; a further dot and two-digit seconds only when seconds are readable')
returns 2.38
